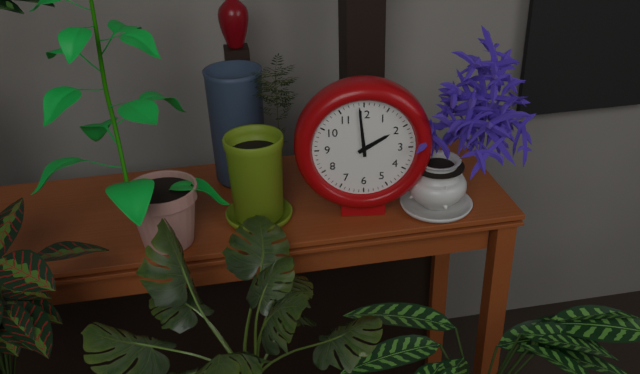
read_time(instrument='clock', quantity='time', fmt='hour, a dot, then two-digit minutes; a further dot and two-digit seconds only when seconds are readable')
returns 1.59
